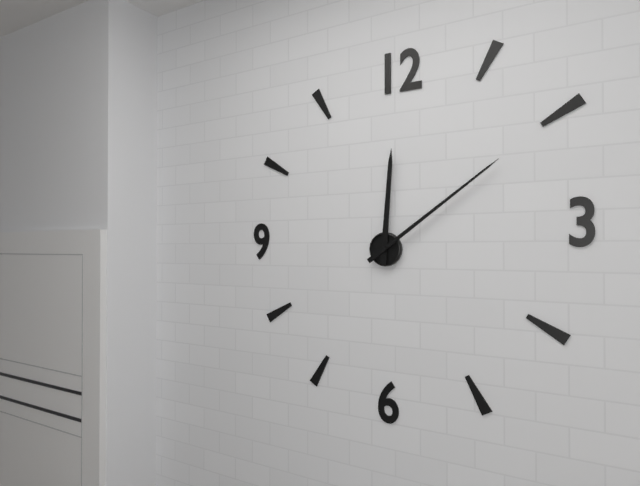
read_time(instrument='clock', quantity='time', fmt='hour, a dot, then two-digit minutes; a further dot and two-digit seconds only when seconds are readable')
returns 12.09
